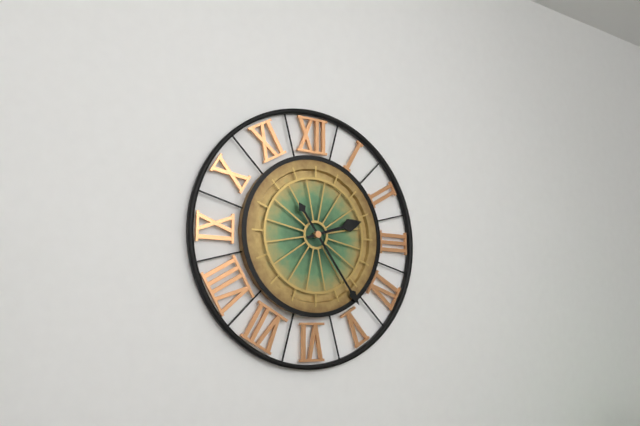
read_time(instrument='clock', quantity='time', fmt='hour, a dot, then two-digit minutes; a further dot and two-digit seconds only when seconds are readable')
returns 2.24
